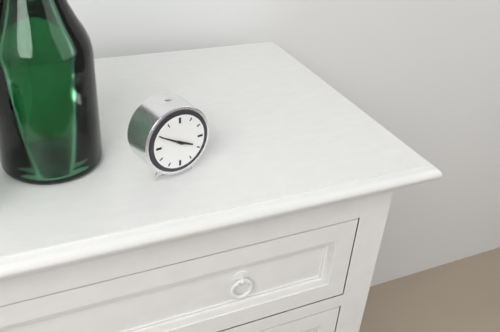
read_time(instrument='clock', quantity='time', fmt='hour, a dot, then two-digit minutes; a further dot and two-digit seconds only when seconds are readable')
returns 3.50
